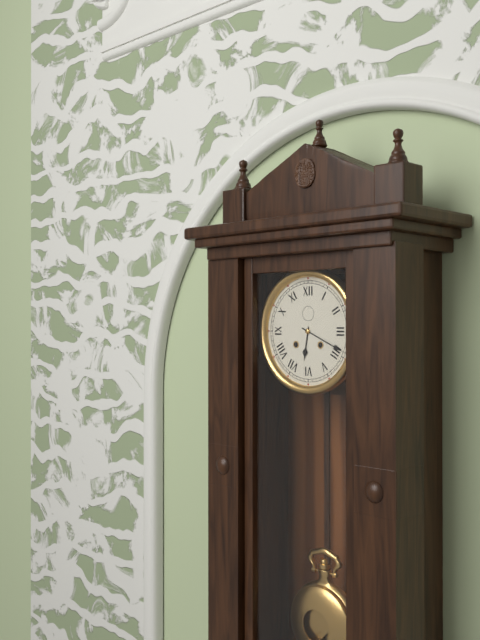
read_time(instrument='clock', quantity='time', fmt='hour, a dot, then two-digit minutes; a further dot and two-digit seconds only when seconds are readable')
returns 6.19
